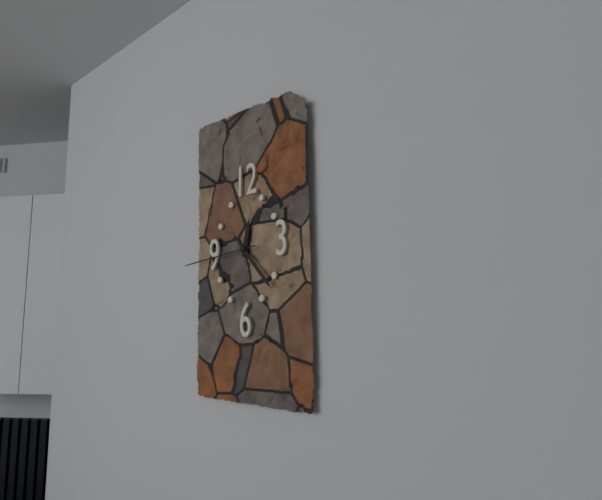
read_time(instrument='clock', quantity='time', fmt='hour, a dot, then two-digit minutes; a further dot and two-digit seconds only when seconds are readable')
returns 12.23.44
